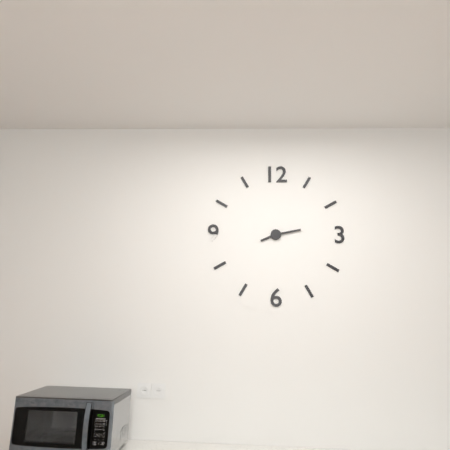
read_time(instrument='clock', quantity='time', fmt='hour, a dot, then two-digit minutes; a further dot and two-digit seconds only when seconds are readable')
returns 8.13
